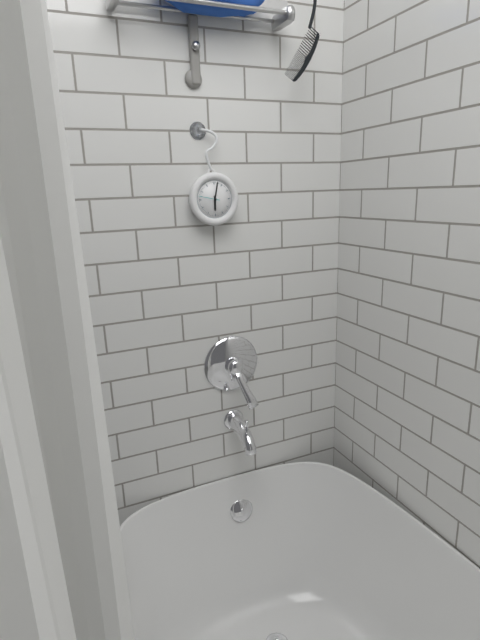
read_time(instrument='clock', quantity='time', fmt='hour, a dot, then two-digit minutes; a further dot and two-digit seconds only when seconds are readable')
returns 6.02
